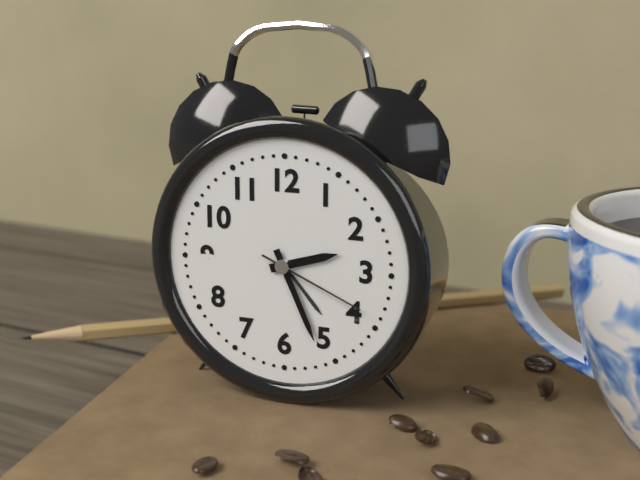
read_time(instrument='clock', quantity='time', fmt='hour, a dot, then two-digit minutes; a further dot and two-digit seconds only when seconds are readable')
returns 2.26.19
